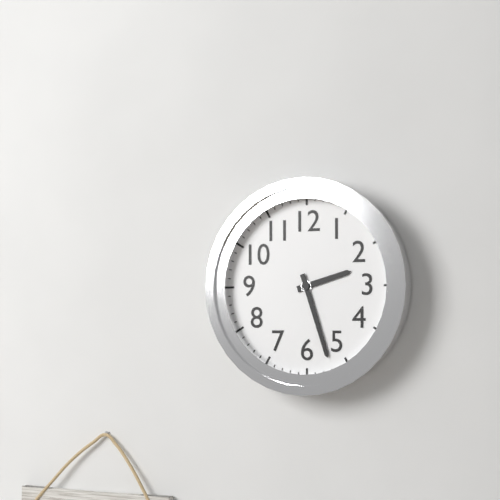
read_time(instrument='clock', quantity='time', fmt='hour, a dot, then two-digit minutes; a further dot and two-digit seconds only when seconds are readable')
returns 2.27
